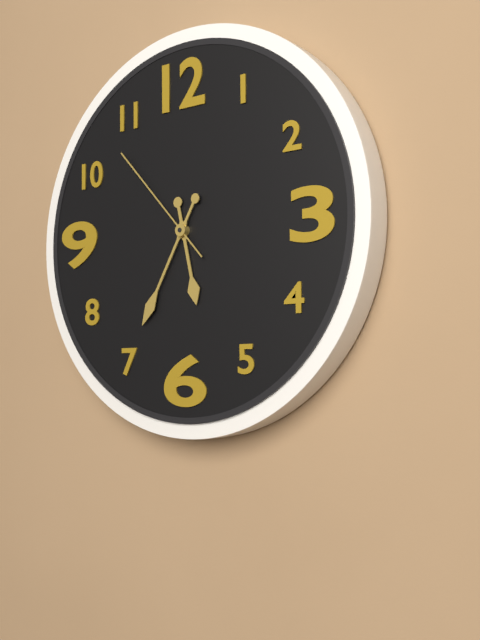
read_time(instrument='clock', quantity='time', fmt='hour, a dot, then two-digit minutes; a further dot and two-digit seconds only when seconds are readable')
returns 5.35.53
